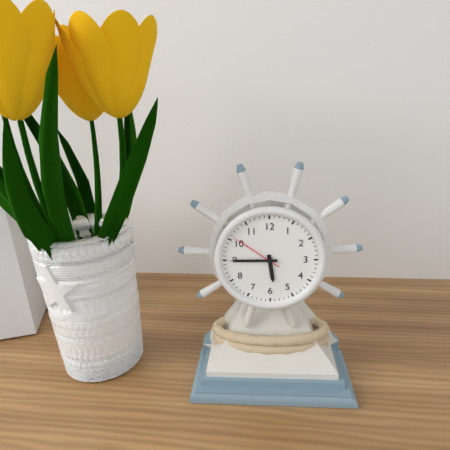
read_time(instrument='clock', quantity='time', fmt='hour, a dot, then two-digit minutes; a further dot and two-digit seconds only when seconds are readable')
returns 5.45.51
